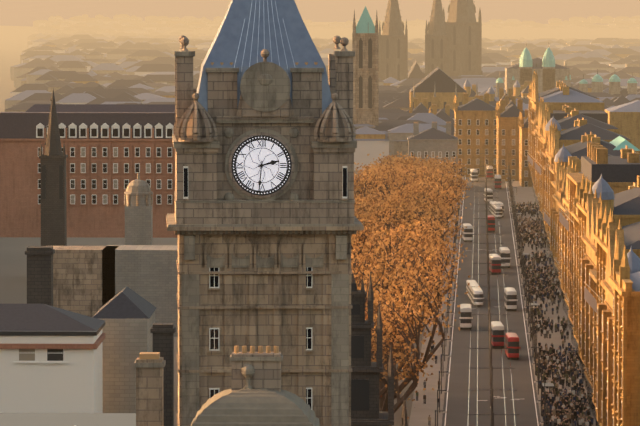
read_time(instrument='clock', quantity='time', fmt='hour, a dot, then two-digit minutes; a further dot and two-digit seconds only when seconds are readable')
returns 2.31
